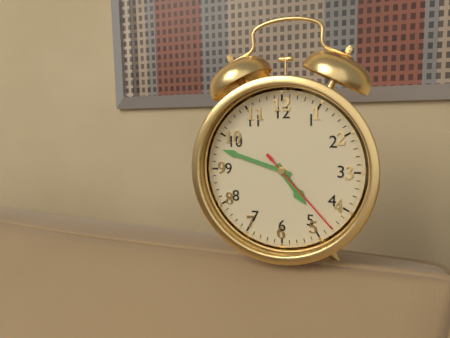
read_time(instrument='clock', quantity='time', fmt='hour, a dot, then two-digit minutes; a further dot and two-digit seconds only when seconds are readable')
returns 4.48.23
